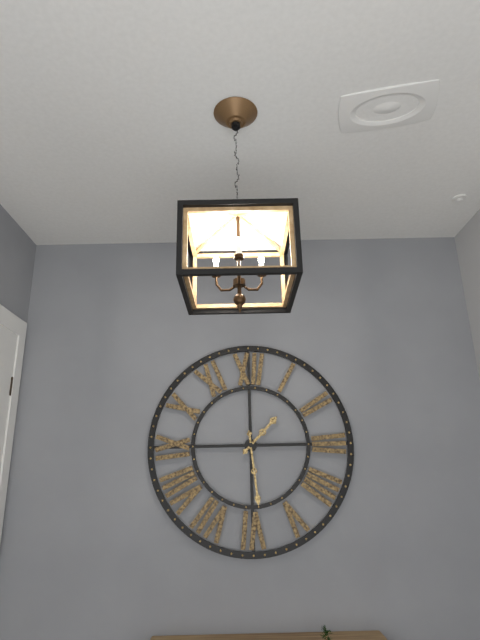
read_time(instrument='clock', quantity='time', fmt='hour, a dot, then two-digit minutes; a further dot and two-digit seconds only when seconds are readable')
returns 1.29
